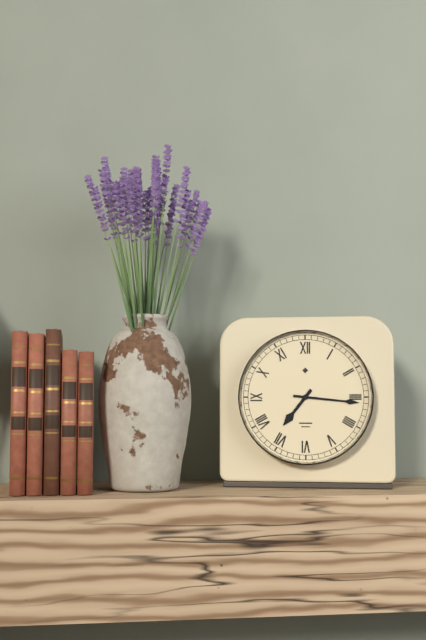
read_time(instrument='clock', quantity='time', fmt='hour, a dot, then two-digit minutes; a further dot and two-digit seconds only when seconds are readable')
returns 7.16
